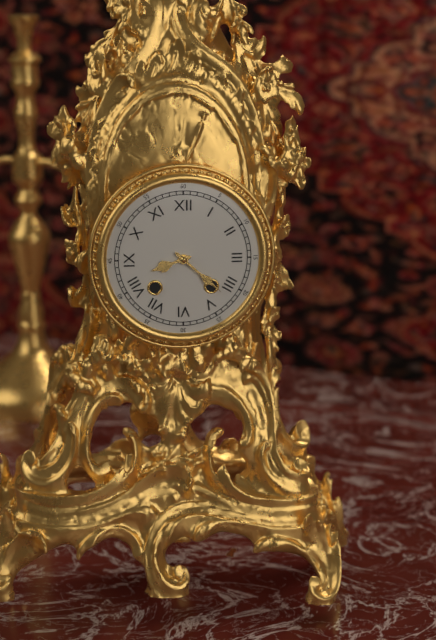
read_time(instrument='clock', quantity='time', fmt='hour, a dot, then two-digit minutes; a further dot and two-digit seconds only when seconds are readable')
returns 8.22
